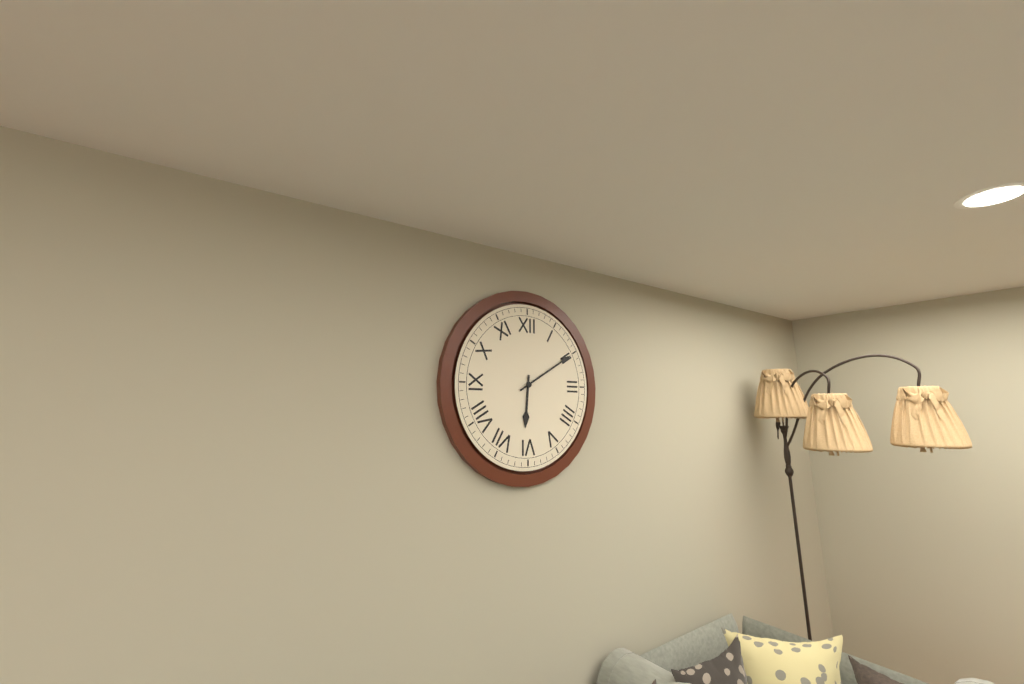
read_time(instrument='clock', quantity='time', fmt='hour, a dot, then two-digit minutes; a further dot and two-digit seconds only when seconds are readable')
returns 6.10
